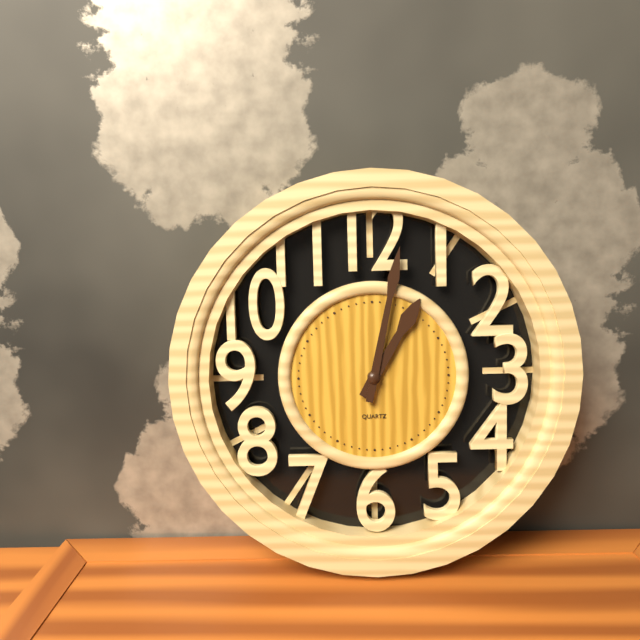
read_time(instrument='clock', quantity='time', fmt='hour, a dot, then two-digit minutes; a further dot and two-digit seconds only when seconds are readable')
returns 1.02
